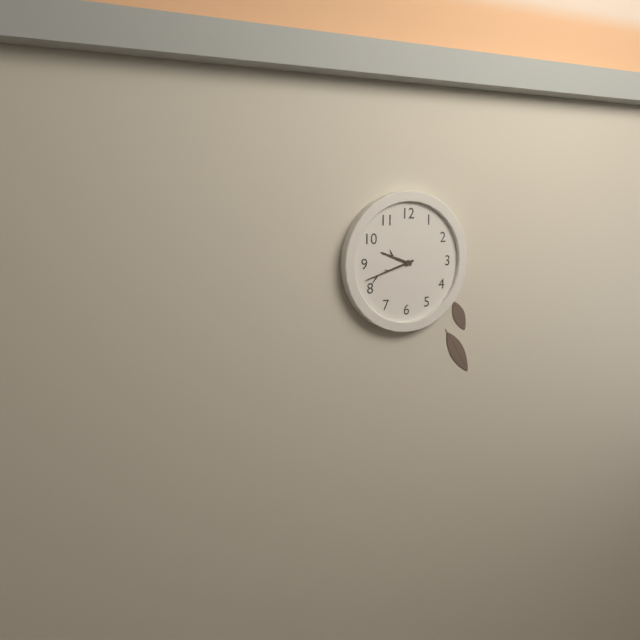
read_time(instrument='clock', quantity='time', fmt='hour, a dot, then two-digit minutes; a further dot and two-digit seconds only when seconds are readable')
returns 9.42
